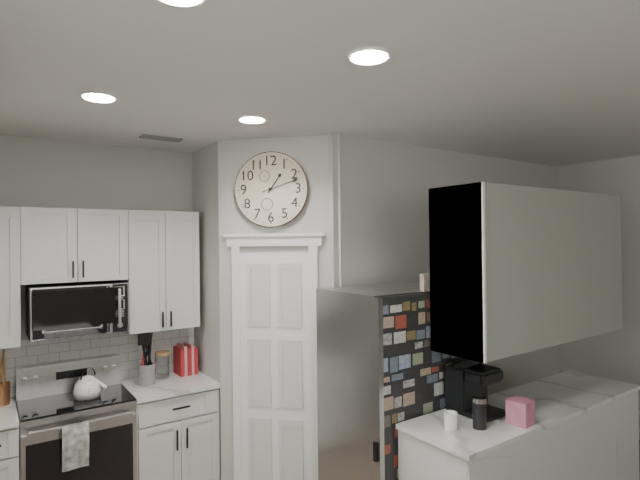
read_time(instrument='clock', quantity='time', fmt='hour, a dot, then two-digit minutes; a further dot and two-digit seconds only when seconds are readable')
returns 1.12
